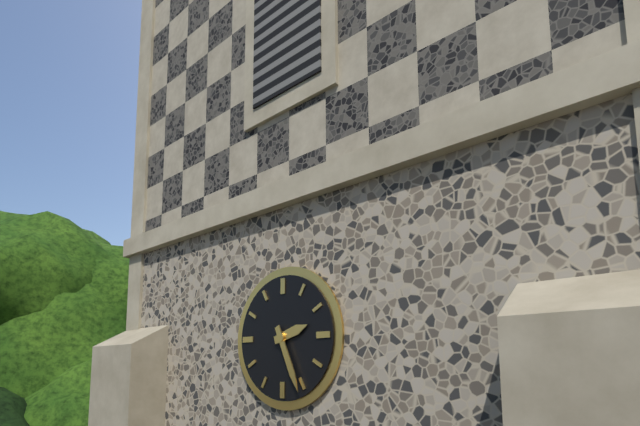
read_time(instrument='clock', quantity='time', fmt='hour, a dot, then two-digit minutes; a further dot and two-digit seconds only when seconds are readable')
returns 2.26
